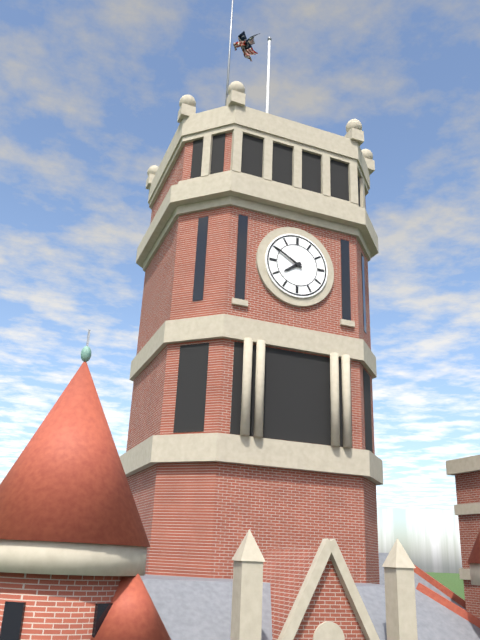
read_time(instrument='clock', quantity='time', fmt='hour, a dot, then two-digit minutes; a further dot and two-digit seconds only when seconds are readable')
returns 7.50
